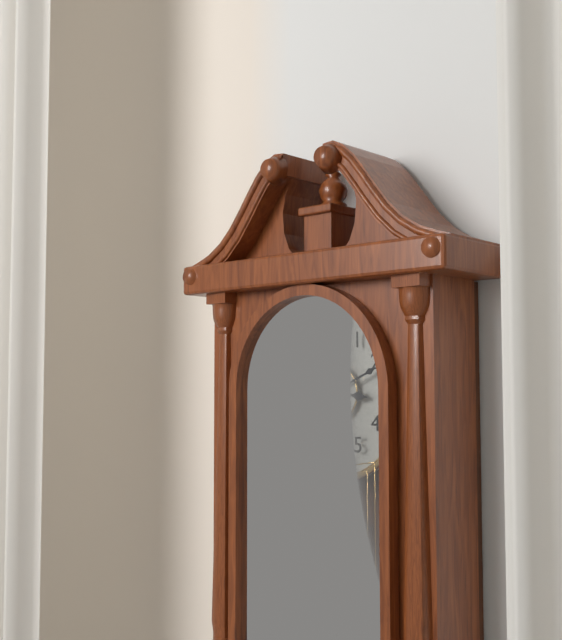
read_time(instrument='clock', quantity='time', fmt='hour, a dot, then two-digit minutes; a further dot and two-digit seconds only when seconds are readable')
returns 3.11
